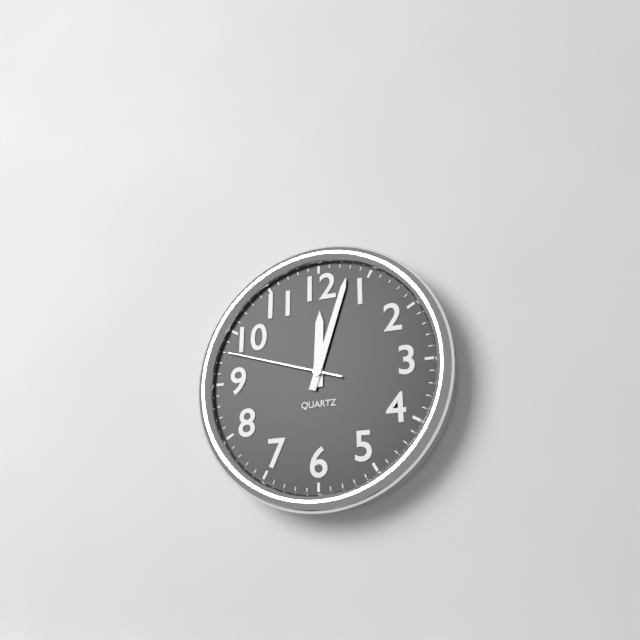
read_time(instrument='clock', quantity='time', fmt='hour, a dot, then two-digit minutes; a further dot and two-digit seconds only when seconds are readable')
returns 12.03.48
